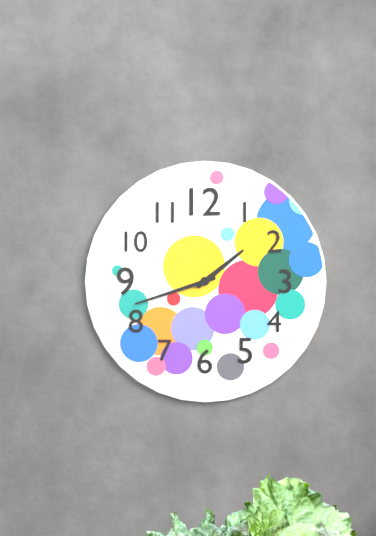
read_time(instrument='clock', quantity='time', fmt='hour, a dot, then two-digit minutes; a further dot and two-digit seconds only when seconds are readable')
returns 1.42
